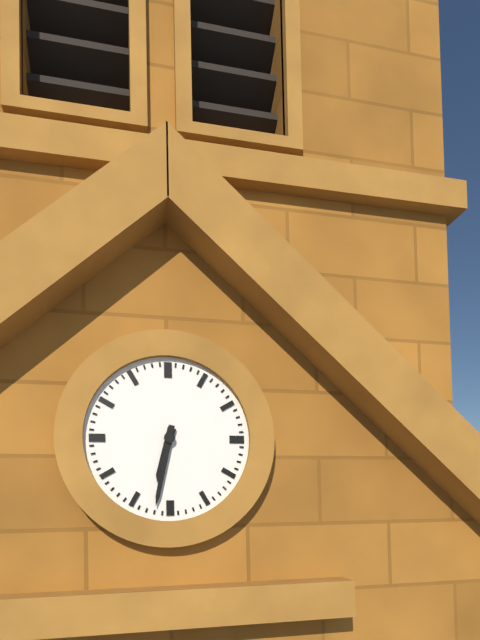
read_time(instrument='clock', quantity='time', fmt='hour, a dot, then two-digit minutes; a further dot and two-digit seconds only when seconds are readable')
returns 6.32
